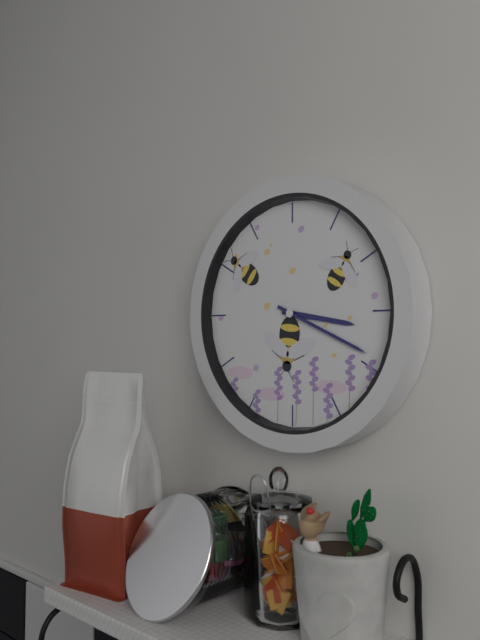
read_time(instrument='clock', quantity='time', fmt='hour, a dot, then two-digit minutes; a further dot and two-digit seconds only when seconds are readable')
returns 3.19
